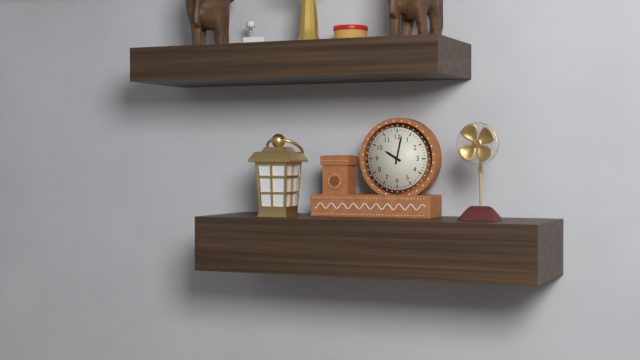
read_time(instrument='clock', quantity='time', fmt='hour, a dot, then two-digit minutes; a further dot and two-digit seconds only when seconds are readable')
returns 10.02
